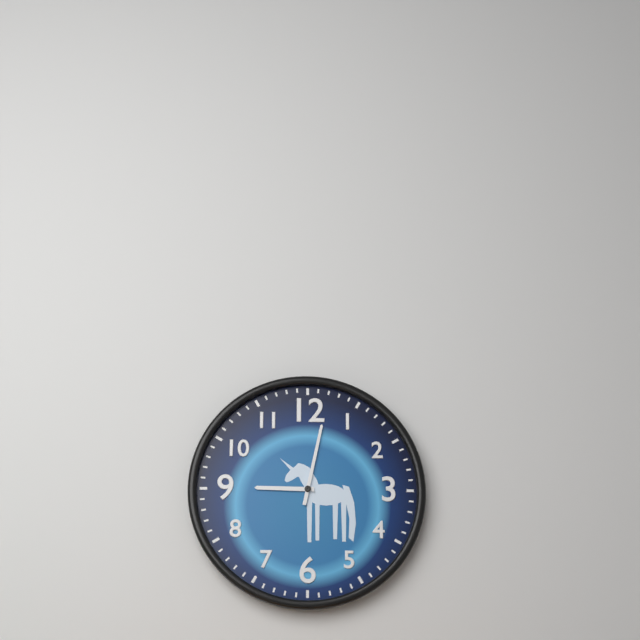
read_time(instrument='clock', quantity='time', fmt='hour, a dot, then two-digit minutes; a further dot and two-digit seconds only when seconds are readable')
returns 9.02
